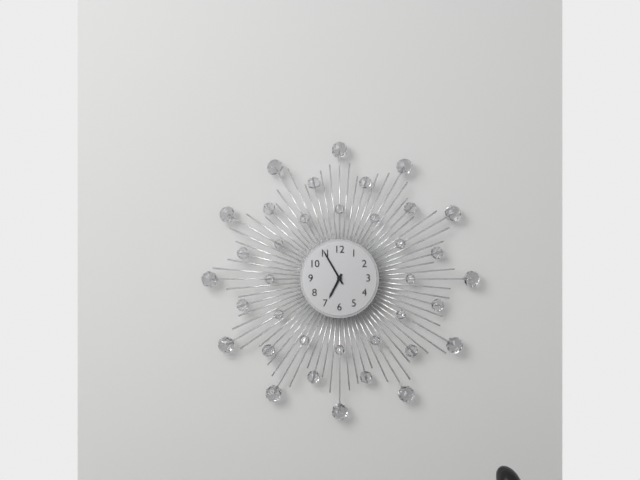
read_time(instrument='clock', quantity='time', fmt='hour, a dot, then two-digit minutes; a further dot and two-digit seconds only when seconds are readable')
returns 6.55
